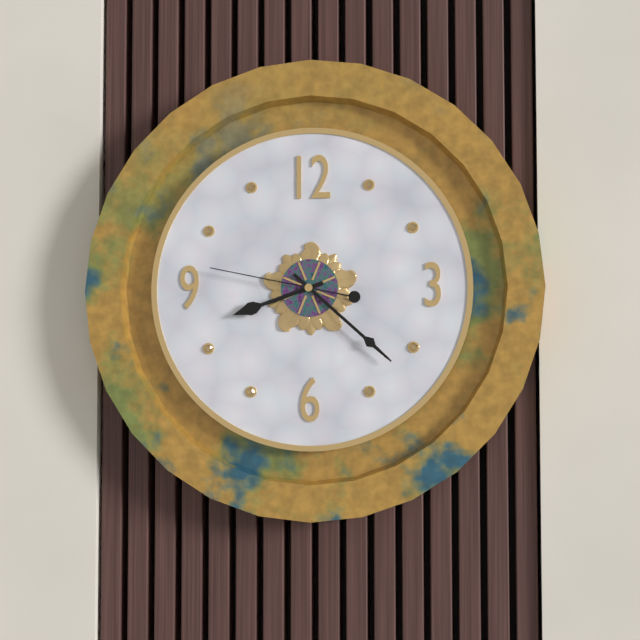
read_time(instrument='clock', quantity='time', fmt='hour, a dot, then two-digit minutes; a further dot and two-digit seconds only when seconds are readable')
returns 8.22.47
